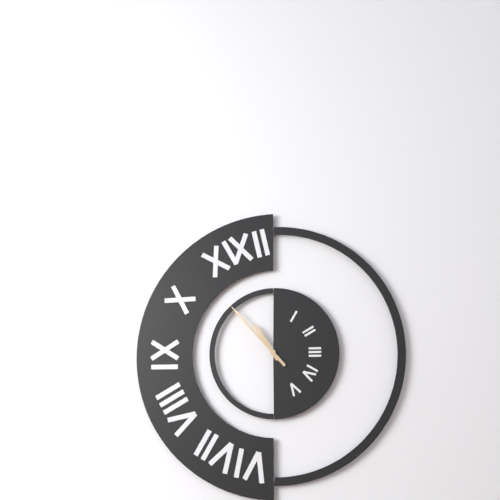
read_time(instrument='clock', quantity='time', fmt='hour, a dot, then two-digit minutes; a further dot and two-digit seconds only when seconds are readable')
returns 10.53
